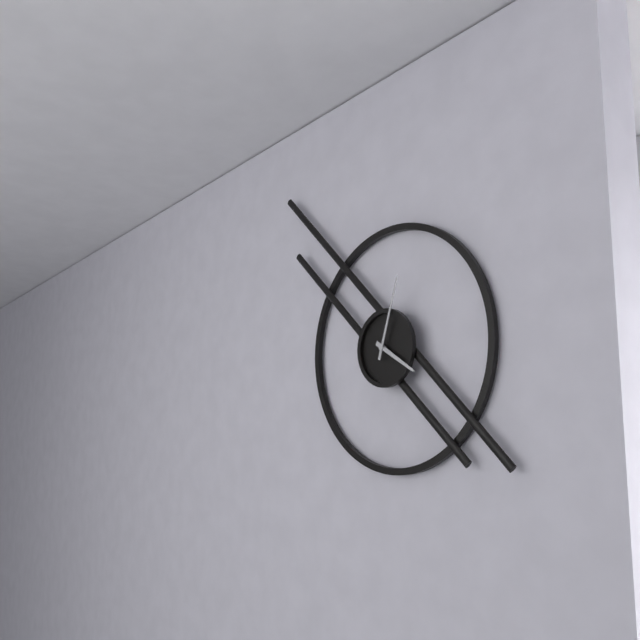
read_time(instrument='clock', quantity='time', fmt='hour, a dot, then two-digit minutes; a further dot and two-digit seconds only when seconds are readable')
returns 4.03
